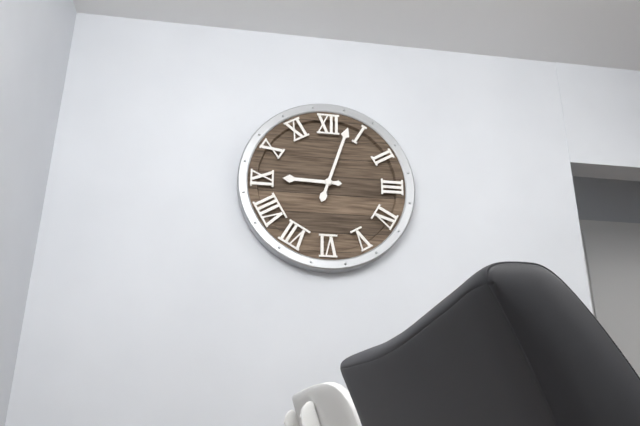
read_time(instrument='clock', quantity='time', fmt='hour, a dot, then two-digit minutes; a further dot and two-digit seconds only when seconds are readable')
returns 9.03
